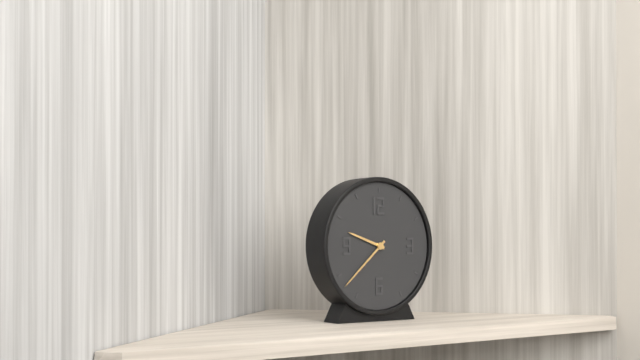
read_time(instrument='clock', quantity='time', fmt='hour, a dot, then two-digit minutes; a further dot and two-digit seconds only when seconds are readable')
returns 9.38
